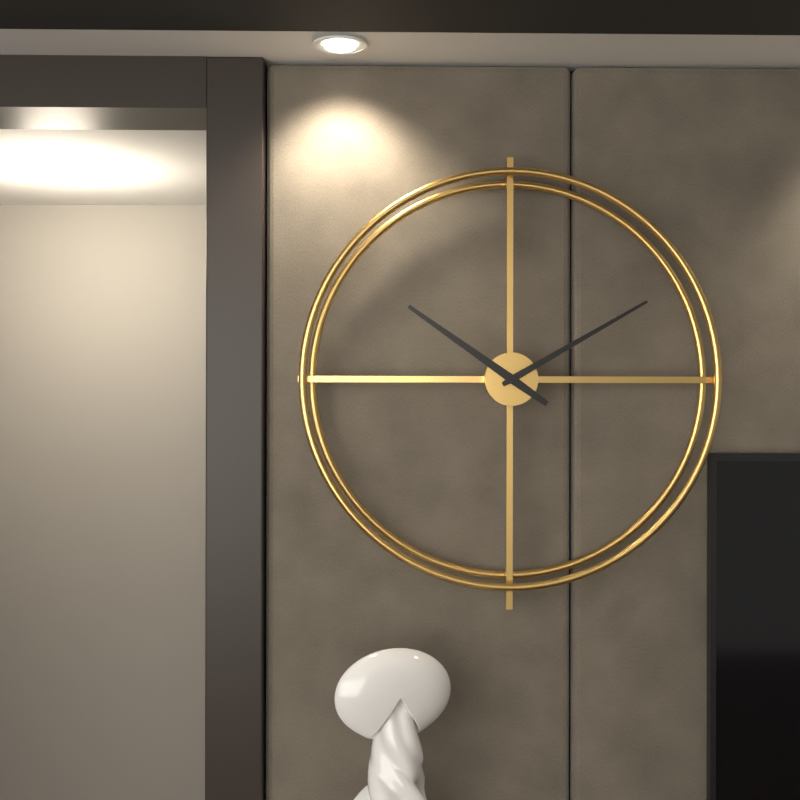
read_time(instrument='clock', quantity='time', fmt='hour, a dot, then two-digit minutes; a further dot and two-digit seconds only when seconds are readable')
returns 10.10
